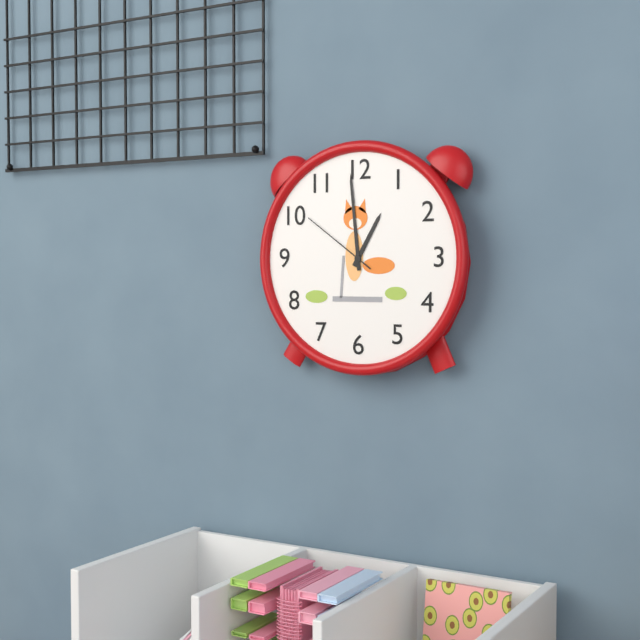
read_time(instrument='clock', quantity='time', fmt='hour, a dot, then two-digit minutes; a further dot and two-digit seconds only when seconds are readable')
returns 12.59.51
